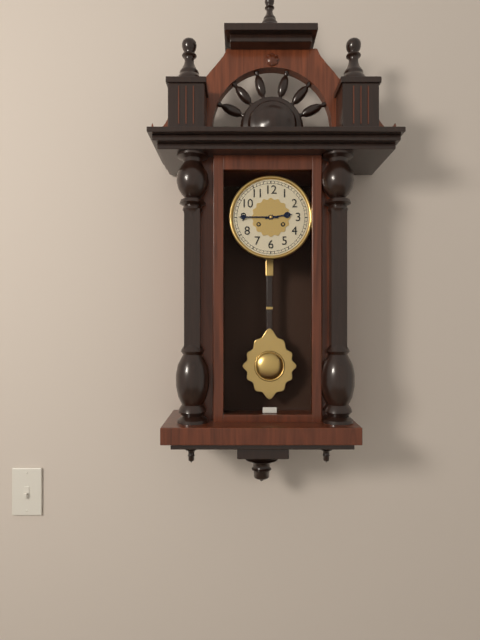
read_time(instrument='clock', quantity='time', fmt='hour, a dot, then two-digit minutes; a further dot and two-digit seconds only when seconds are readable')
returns 2.45
